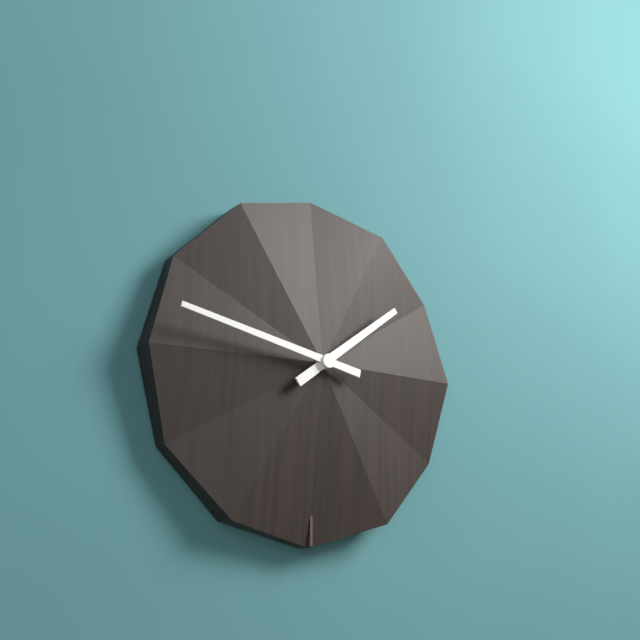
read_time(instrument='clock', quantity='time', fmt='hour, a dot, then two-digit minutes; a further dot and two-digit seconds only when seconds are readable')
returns 1.47
